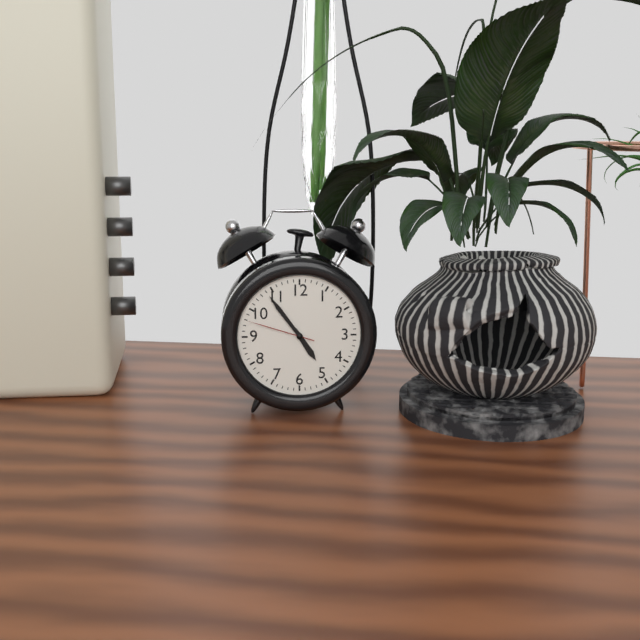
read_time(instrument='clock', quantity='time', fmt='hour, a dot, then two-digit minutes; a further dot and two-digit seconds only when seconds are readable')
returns 4.54.48
